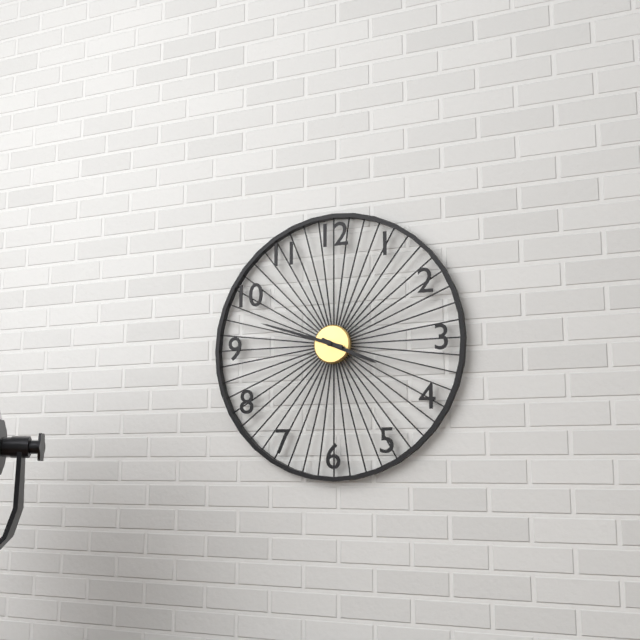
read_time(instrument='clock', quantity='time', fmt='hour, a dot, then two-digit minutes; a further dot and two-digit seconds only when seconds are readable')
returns 3.48
